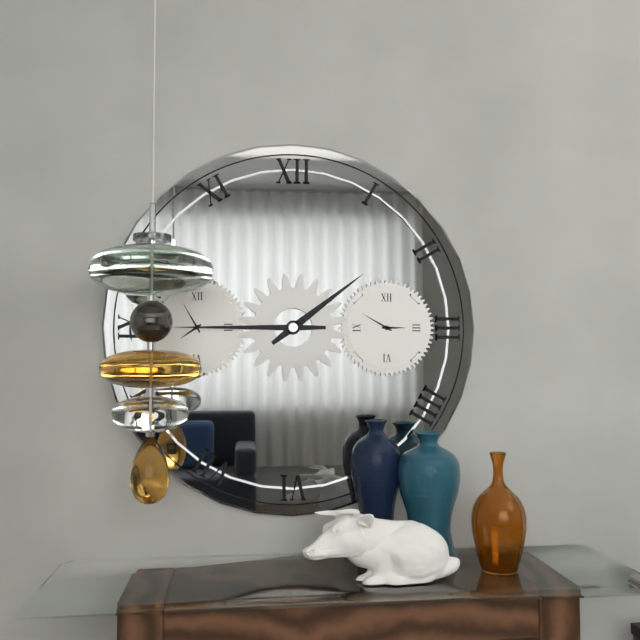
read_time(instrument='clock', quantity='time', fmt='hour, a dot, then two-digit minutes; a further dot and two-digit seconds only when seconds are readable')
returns 1.45
